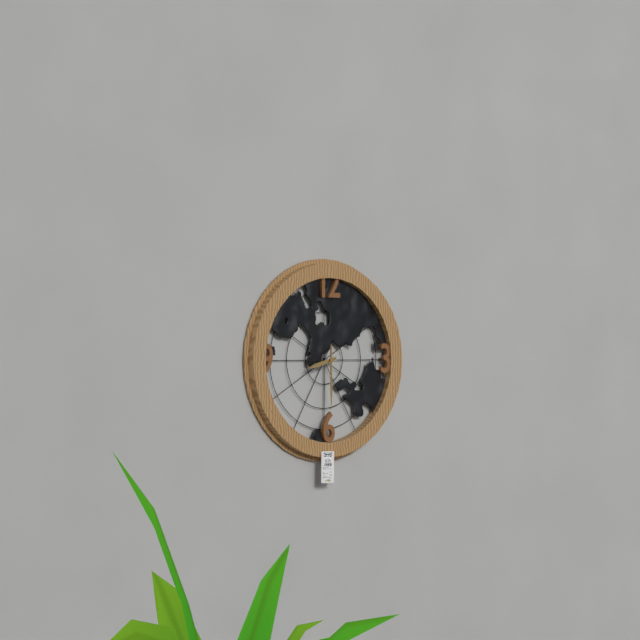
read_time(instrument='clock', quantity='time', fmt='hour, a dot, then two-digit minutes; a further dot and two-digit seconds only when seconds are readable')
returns 8.30
